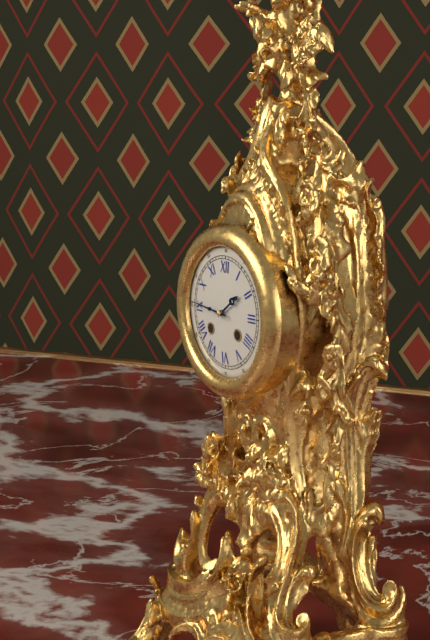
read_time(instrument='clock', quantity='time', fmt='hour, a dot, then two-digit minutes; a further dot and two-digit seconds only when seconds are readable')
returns 1.46
